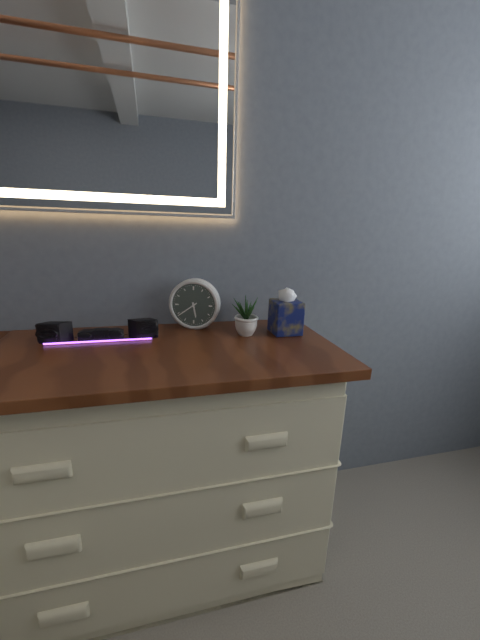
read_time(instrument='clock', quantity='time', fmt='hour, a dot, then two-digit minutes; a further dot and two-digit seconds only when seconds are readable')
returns 5.39
